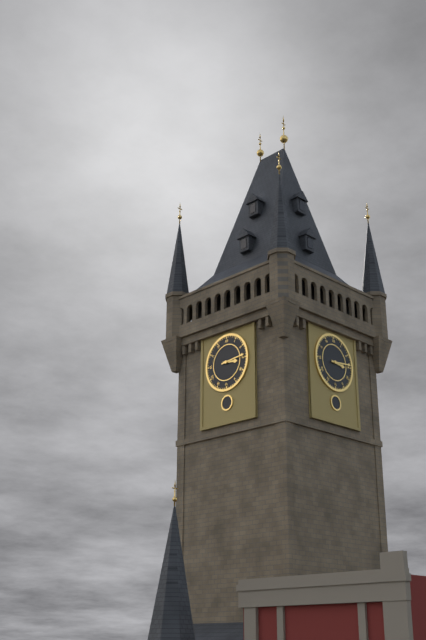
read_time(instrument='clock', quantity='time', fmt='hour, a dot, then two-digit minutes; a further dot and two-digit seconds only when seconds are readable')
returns 3.14
